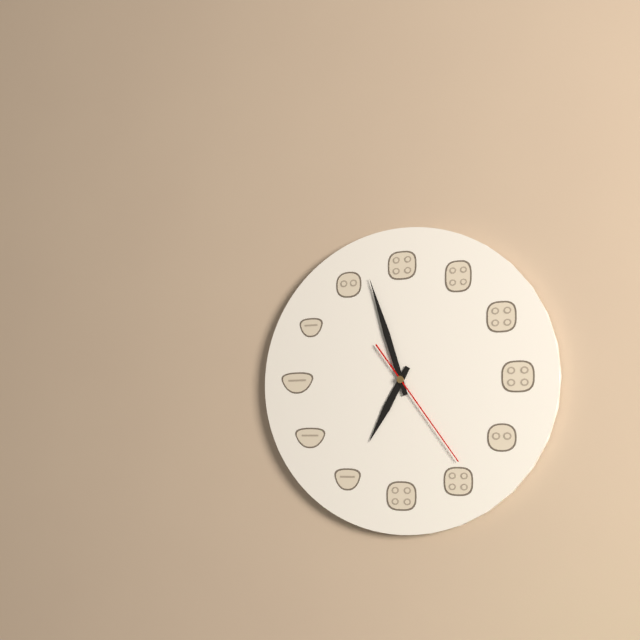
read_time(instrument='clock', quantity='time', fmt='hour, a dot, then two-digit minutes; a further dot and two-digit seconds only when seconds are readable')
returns 6.57.24
